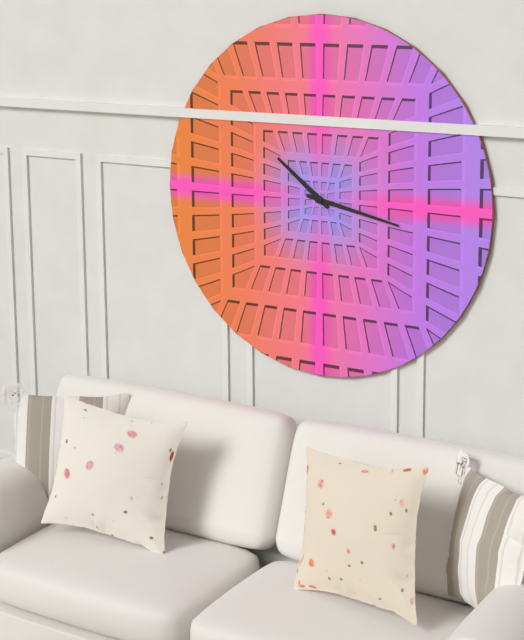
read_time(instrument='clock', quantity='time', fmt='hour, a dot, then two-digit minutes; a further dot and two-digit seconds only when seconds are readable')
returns 10.17
